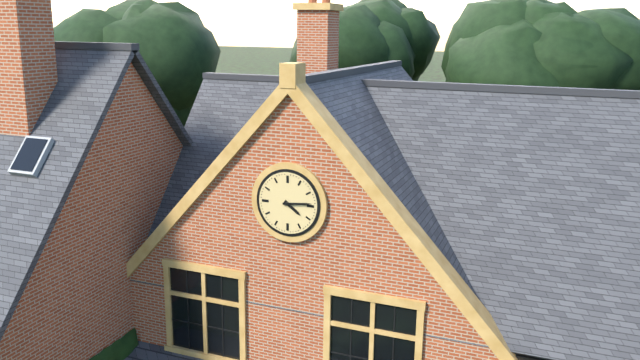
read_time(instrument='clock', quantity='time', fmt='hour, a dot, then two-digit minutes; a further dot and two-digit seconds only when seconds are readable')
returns 4.14
